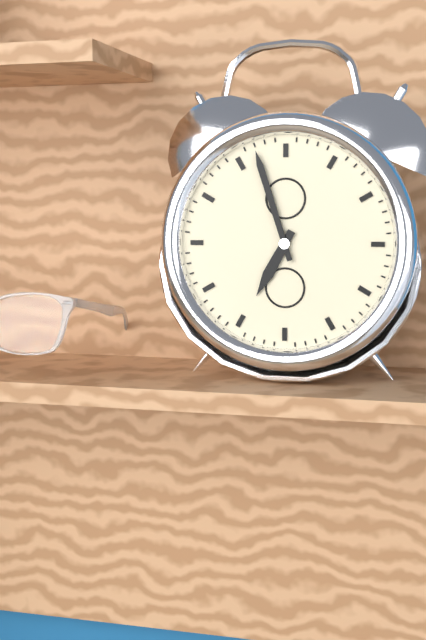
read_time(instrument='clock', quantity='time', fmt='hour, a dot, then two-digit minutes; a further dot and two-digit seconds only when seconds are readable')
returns 6.57
